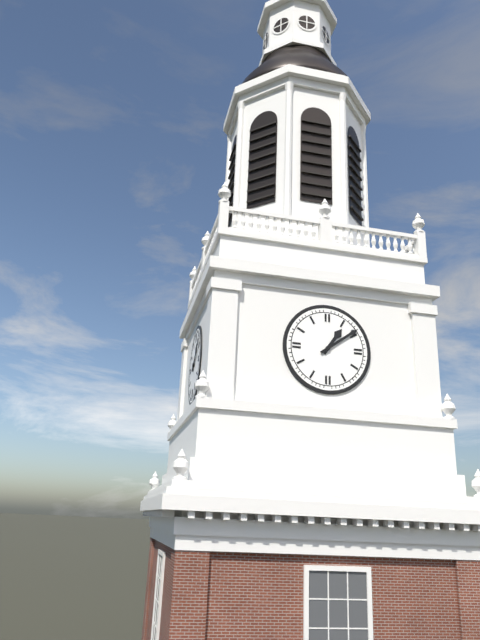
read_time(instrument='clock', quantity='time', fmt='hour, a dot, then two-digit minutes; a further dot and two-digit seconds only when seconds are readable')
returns 1.09
